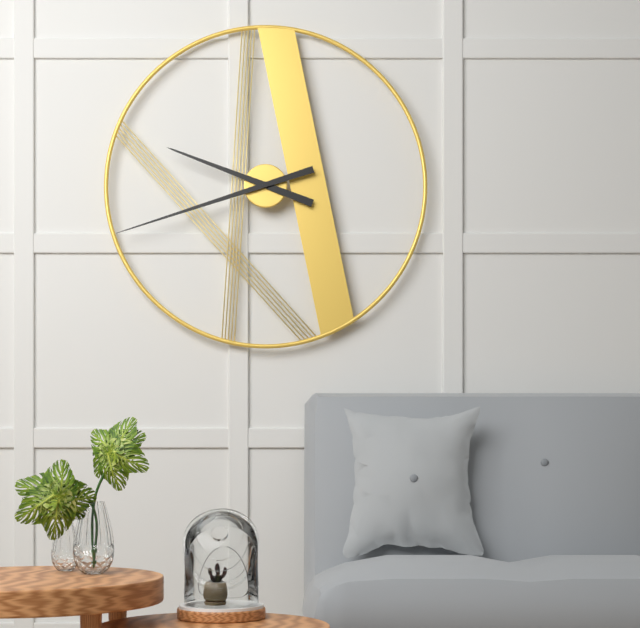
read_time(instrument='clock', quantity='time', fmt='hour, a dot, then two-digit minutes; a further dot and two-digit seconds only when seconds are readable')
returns 9.42
